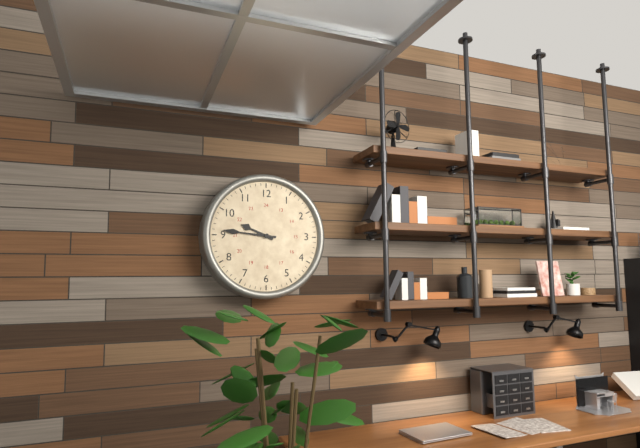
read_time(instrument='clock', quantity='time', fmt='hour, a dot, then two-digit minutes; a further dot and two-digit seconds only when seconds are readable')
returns 9.46
